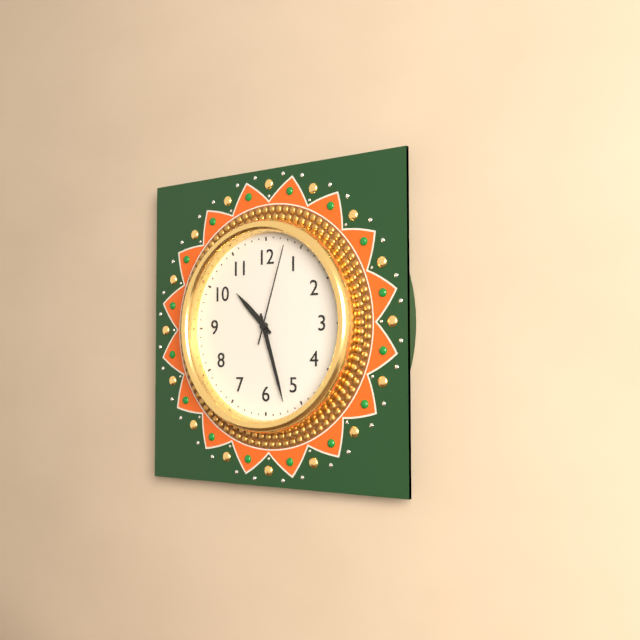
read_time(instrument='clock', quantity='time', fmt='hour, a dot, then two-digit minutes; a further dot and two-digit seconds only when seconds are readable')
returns 10.27.03
